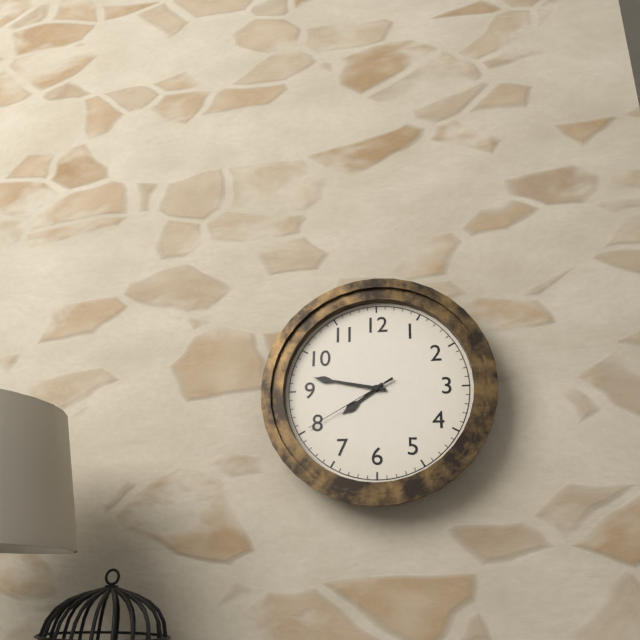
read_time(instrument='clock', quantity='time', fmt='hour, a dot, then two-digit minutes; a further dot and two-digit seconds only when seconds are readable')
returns 7.47.40
